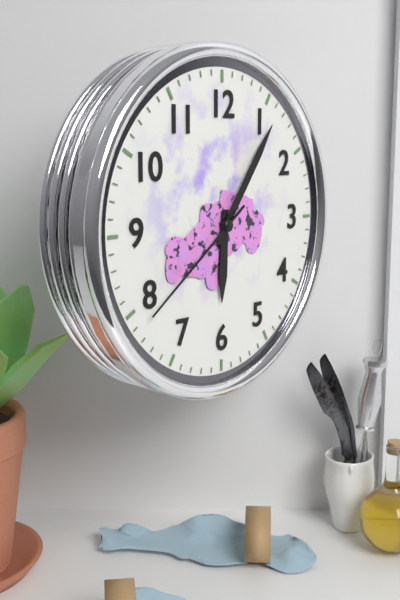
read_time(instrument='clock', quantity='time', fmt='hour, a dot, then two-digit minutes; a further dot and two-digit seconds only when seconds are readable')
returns 6.06.39
